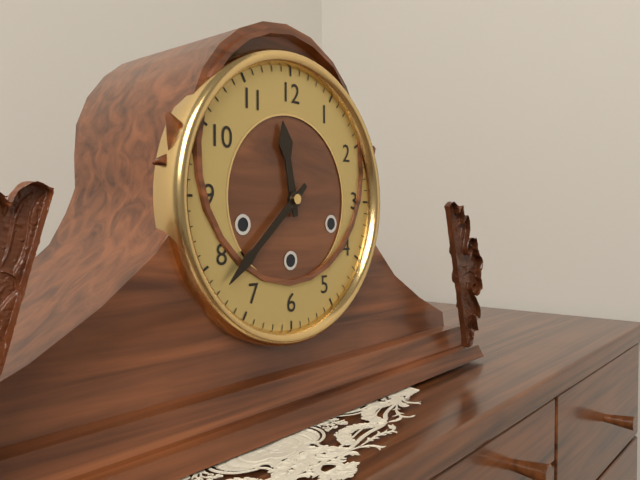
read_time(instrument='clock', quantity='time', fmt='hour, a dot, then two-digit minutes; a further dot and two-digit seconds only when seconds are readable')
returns 11.38
